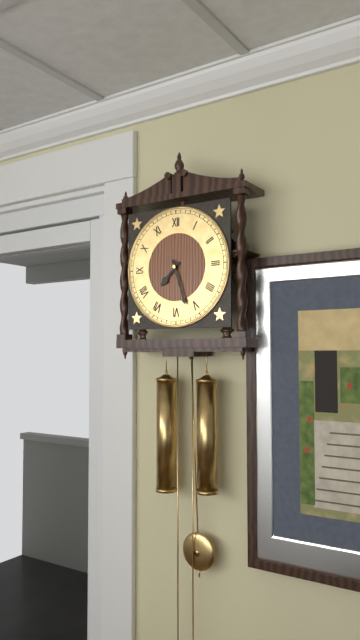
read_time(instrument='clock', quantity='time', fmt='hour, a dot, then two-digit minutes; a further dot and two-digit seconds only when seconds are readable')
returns 7.27
